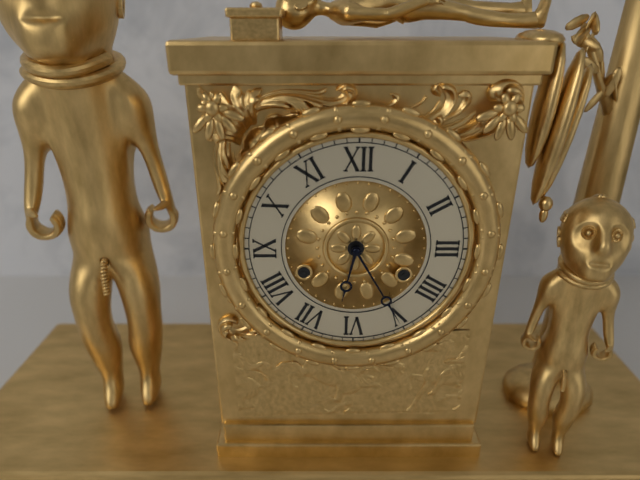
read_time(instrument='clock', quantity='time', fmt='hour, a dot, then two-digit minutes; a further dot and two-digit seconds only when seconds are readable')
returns 6.25
